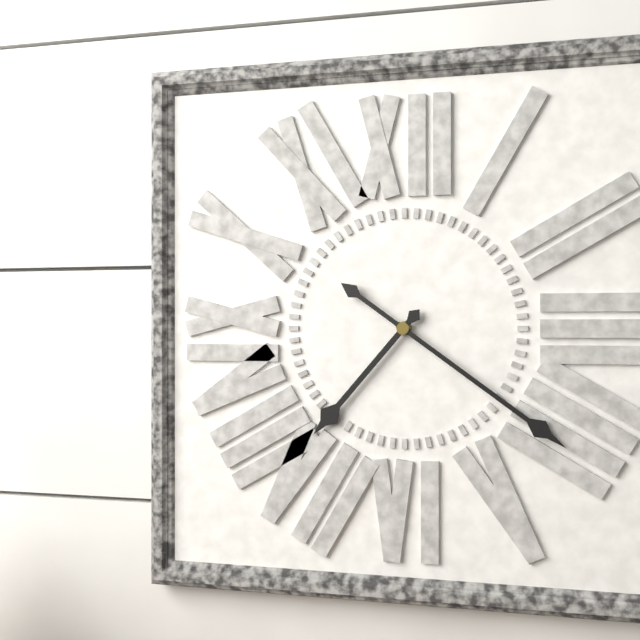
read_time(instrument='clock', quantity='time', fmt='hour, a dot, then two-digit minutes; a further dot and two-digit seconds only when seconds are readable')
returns 7.21
